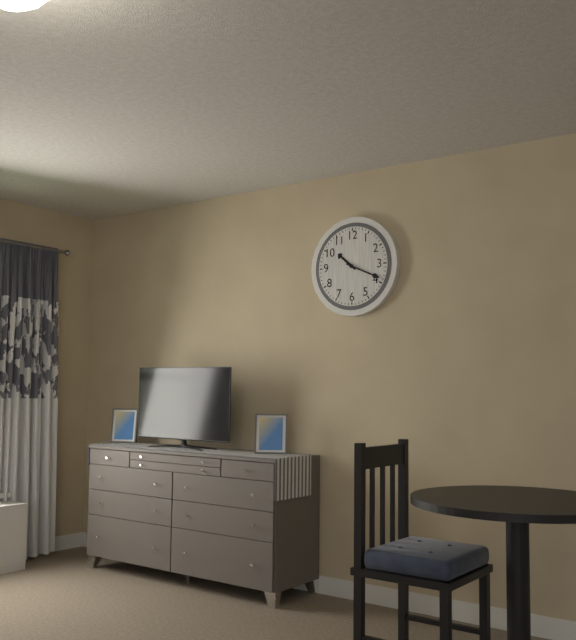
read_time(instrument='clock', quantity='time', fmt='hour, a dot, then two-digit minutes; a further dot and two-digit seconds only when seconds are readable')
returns 10.19
